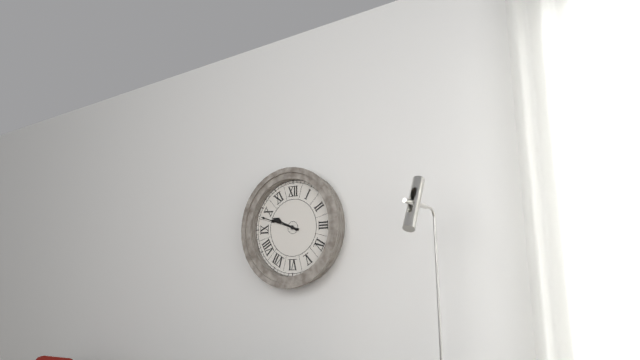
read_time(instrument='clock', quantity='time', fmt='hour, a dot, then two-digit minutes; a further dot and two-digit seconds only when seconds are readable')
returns 9.48
